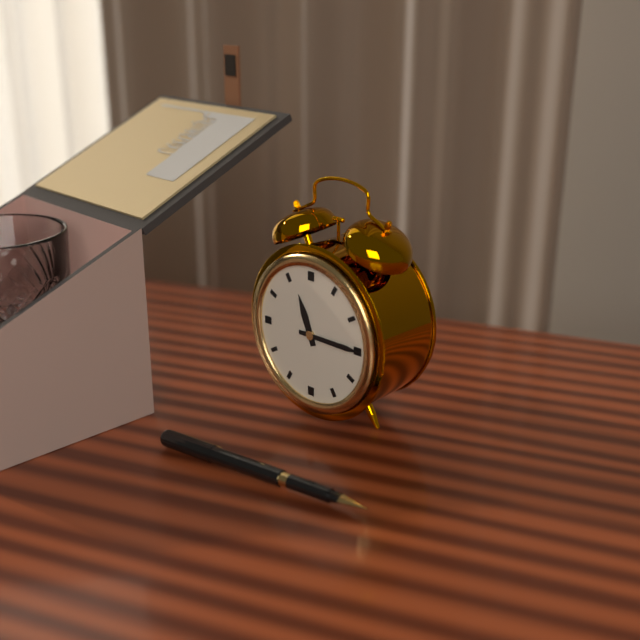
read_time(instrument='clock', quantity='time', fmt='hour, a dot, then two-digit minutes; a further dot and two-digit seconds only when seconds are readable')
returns 11.15
